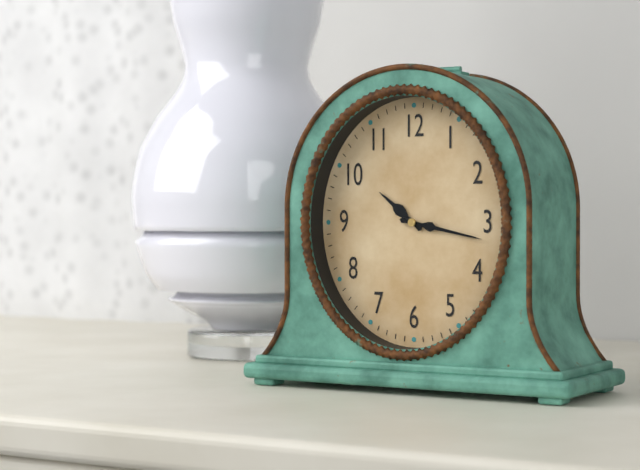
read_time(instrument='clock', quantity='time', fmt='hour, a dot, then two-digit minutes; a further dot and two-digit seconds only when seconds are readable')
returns 10.17
